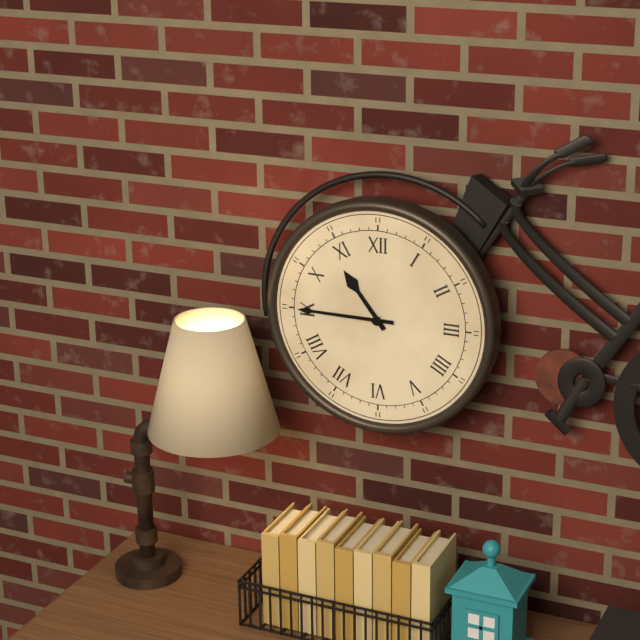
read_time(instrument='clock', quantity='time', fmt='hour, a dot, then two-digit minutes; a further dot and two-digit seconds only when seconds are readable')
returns 10.45
